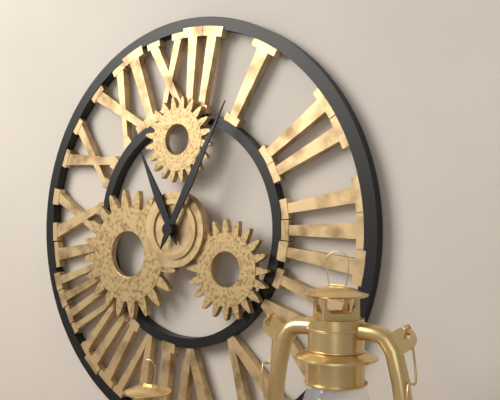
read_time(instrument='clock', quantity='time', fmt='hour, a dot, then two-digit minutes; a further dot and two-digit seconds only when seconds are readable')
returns 11.05
